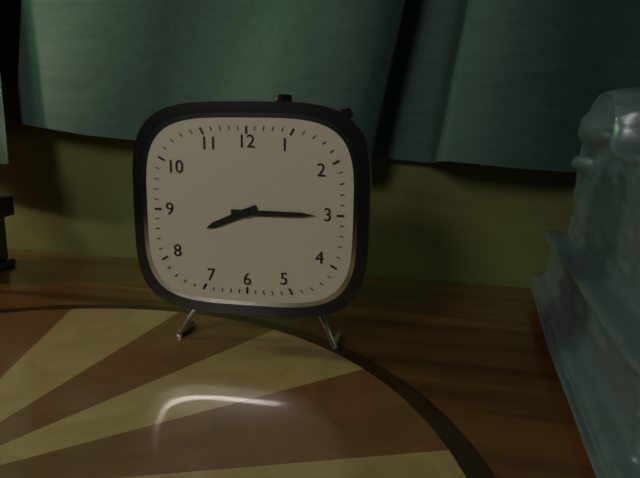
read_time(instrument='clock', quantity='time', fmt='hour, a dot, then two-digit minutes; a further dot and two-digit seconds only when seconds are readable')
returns 8.15
